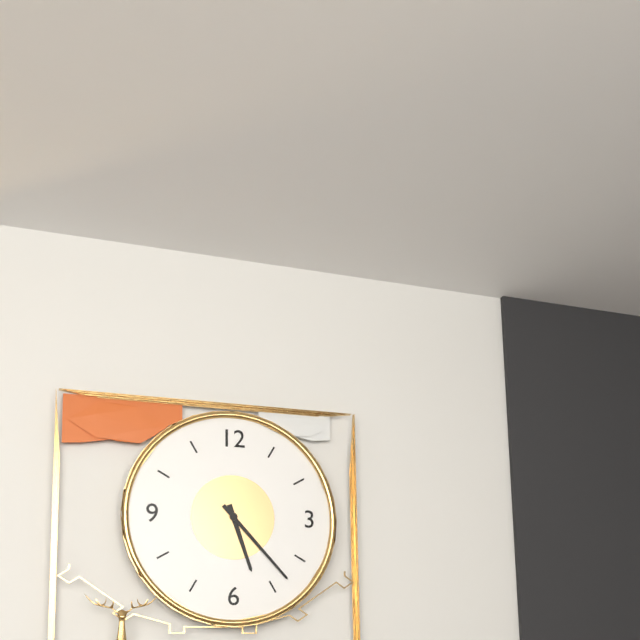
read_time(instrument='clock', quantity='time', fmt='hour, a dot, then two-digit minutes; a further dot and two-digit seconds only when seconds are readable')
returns 5.23
